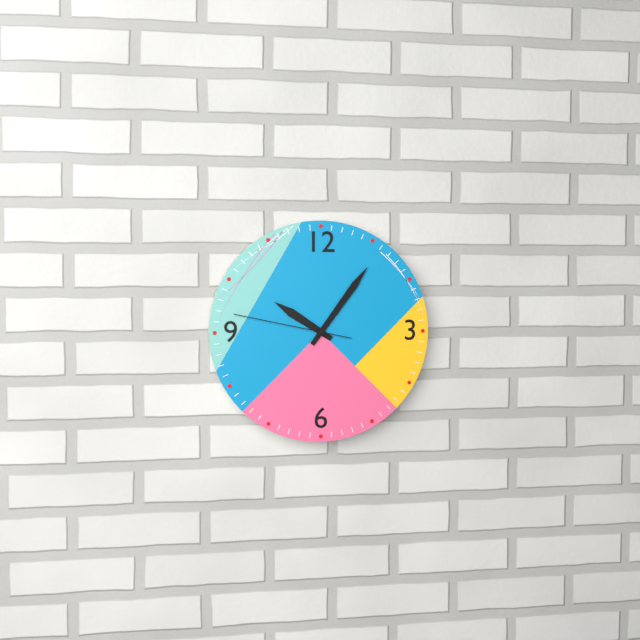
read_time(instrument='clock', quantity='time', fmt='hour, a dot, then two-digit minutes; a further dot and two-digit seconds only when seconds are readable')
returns 10.06.47
